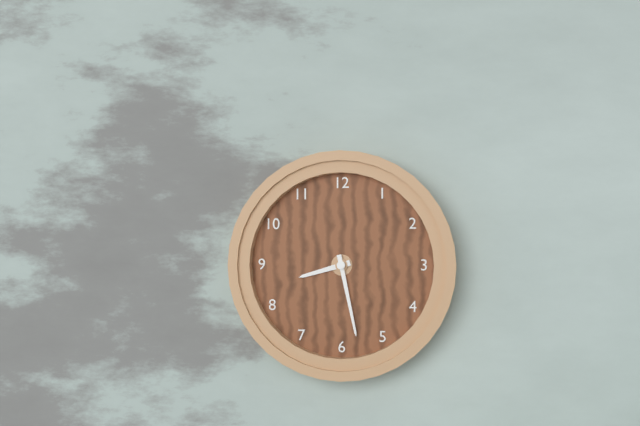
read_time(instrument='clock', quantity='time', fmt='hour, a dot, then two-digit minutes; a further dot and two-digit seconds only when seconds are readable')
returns 8.28
